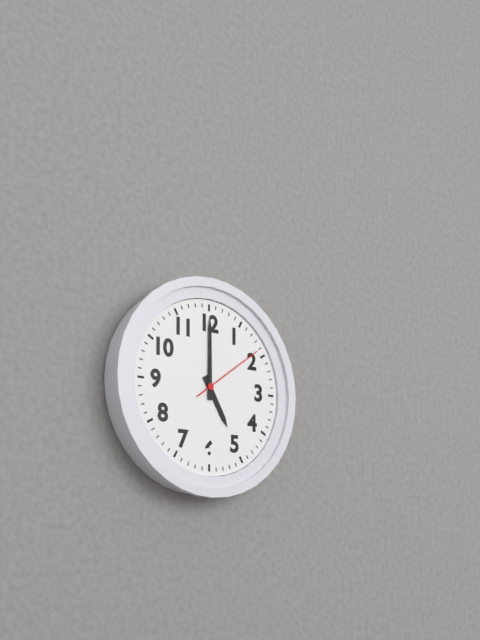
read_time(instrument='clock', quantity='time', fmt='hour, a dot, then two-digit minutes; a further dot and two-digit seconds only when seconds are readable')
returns 5.00.09
